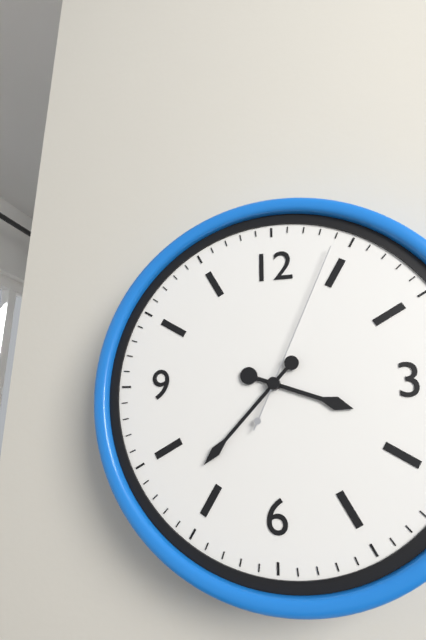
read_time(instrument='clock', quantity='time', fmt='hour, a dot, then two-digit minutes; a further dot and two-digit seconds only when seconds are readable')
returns 3.37.04
